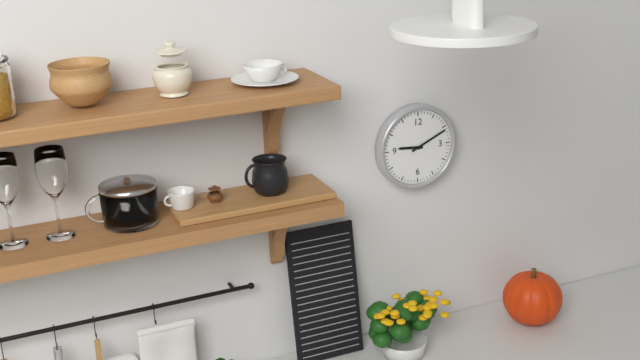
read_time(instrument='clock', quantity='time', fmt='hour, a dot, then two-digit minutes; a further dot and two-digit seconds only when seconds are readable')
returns 9.11
